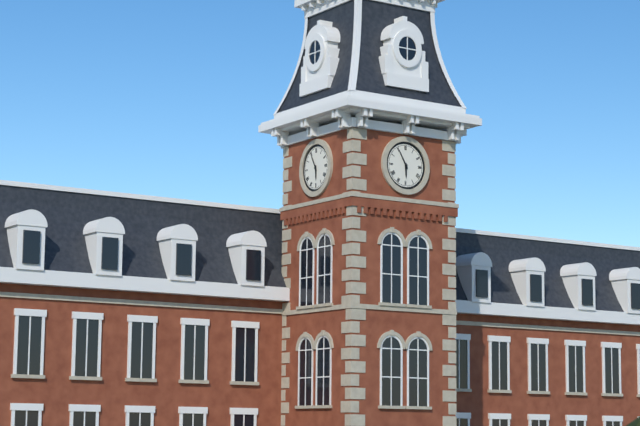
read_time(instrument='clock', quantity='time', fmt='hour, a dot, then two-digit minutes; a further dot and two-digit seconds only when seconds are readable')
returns 5.55
